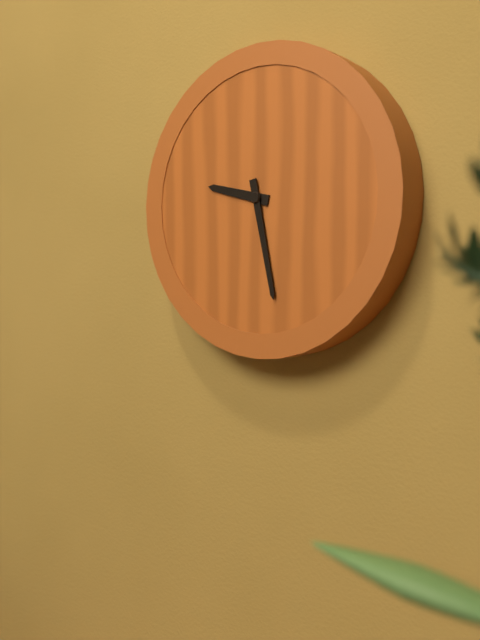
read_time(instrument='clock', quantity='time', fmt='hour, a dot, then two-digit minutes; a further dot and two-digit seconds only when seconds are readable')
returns 9.28
